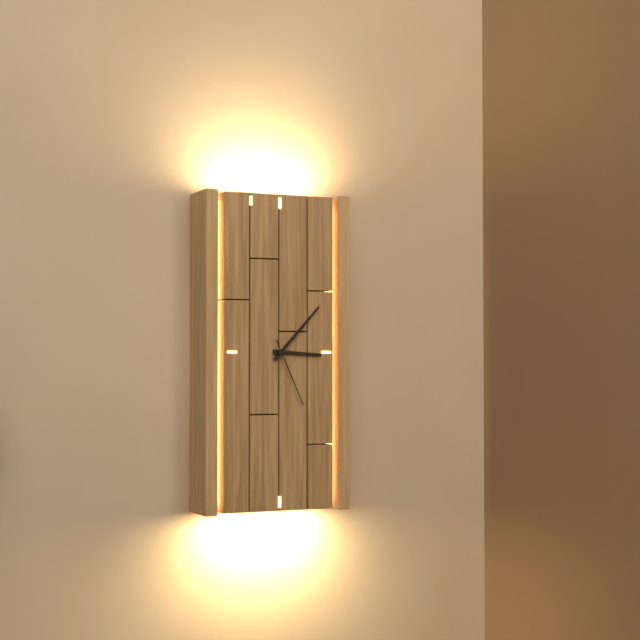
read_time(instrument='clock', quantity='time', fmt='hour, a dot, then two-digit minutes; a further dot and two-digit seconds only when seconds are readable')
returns 3.07.26
